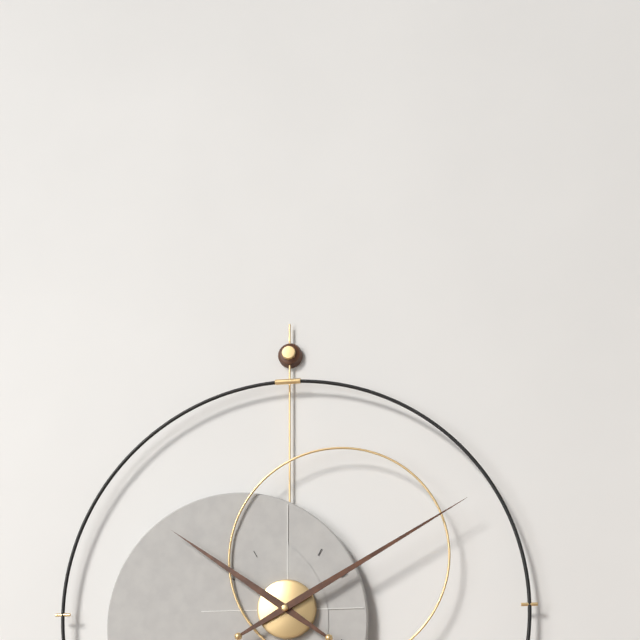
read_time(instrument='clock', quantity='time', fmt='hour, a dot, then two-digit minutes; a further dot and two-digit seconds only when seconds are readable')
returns 10.10
